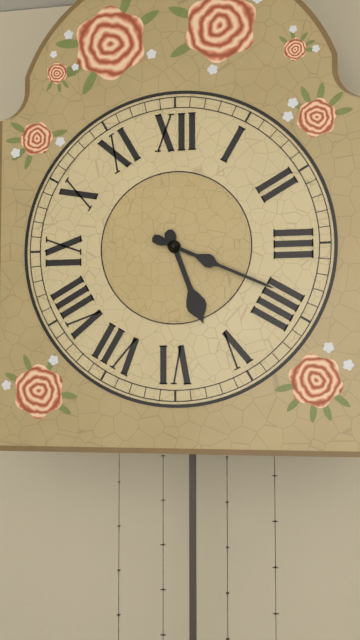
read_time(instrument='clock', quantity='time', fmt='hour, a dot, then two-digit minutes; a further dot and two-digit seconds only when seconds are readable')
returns 5.19
